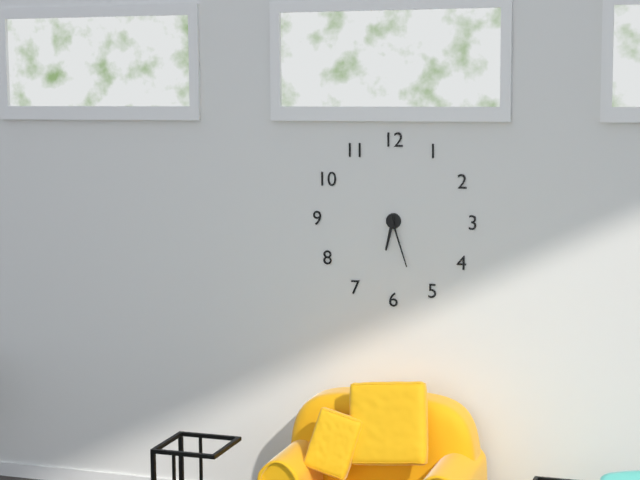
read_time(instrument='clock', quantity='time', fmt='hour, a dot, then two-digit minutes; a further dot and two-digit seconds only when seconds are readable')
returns 6.27
